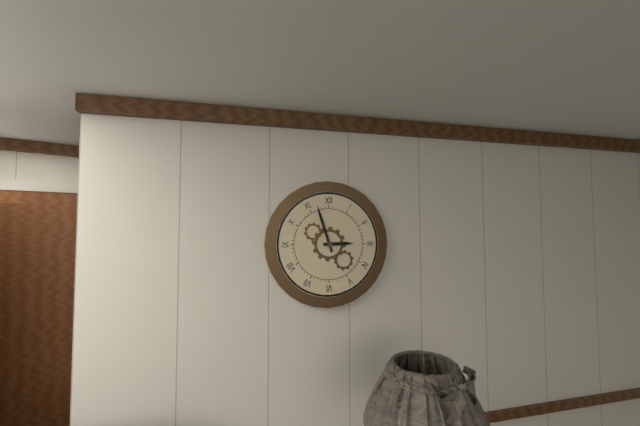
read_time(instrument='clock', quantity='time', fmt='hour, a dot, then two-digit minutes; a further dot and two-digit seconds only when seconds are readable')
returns 2.57
